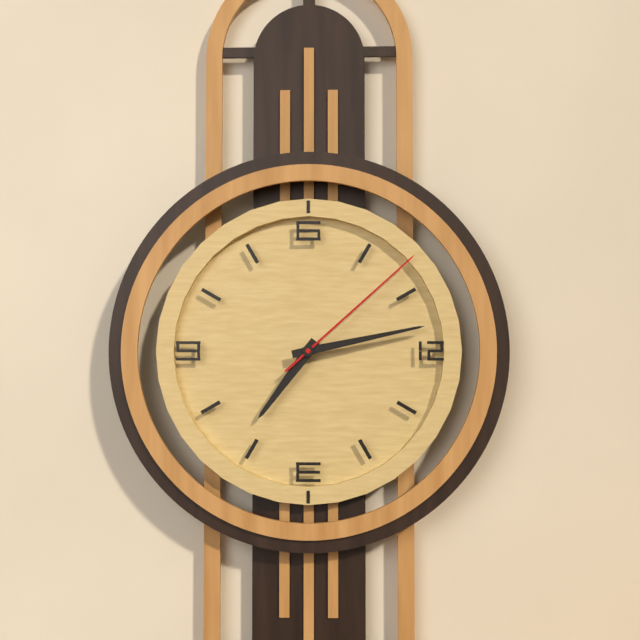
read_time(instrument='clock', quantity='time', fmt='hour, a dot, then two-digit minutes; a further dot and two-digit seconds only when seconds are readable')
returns 7.13.08
